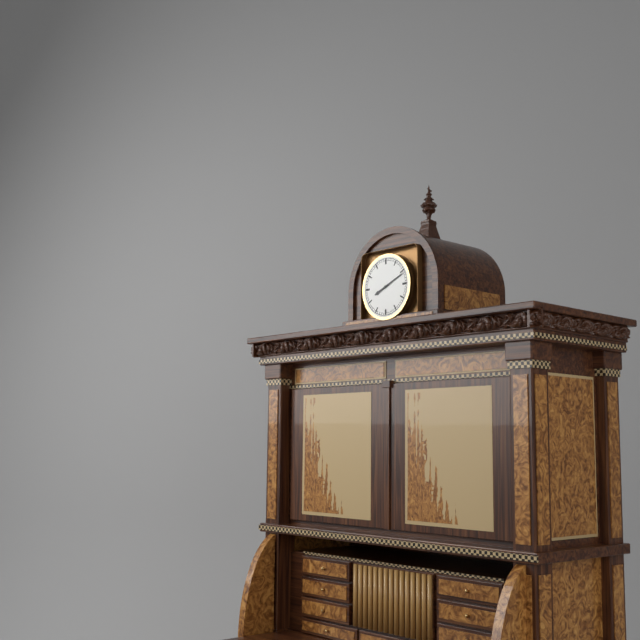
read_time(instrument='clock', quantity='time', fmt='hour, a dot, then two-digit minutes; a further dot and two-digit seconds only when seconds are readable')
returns 8.11
